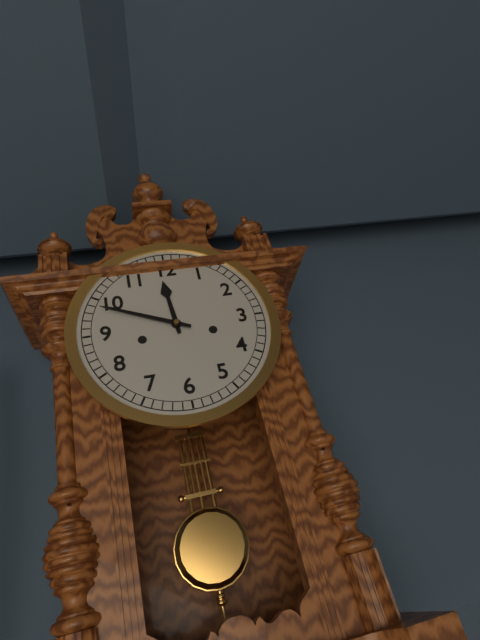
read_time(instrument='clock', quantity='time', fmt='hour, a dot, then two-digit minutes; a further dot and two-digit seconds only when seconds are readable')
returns 11.49
